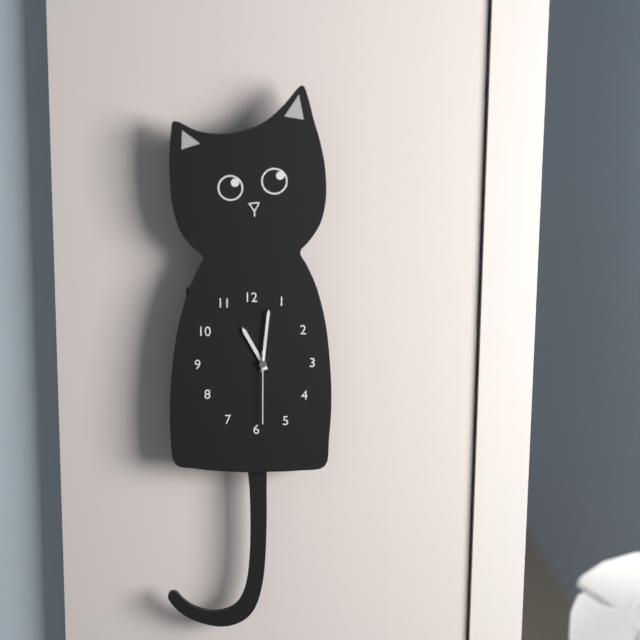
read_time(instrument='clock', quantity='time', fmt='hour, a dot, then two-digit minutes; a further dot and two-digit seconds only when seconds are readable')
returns 11.01.30
